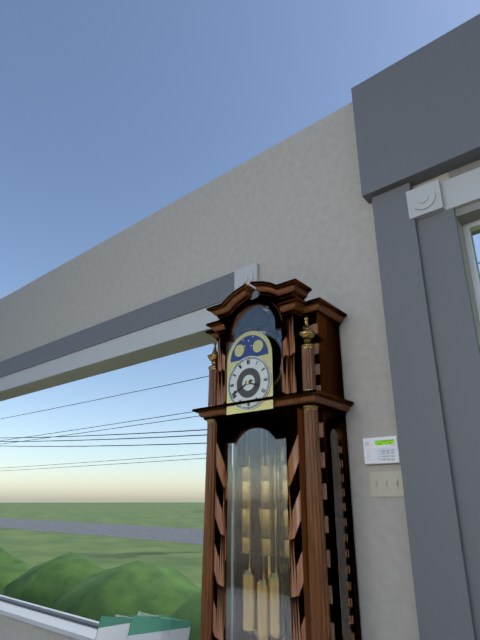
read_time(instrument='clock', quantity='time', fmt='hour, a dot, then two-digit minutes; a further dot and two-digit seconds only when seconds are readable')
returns 3.41
